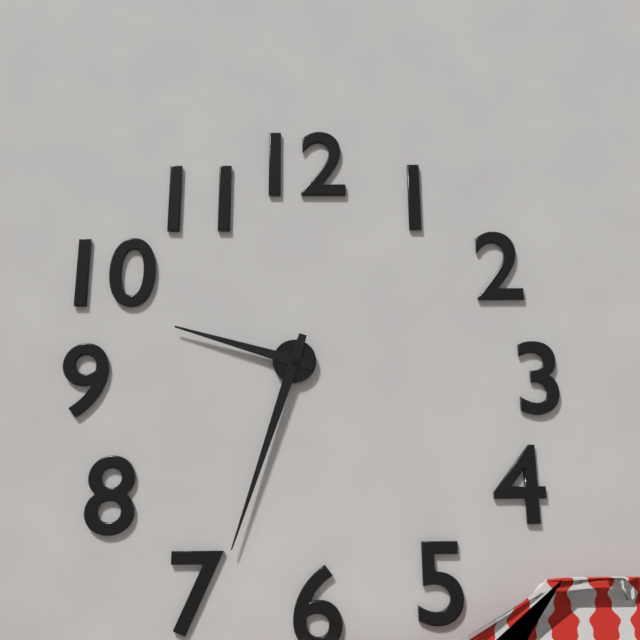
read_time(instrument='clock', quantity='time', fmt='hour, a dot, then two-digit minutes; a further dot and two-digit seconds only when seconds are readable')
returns 9.33
